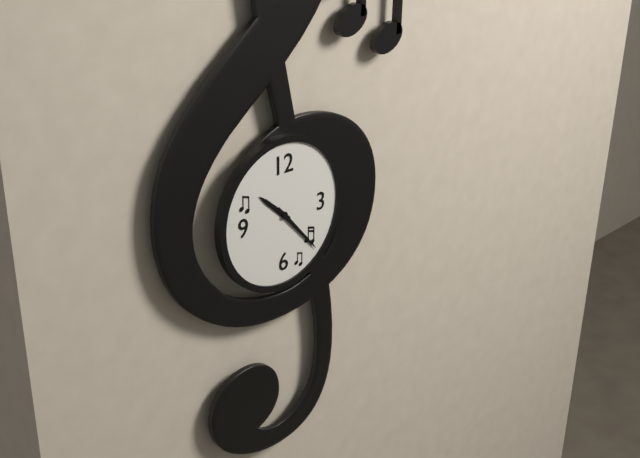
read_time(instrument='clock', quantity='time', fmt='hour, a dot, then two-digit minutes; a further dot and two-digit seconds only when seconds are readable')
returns 10.23
